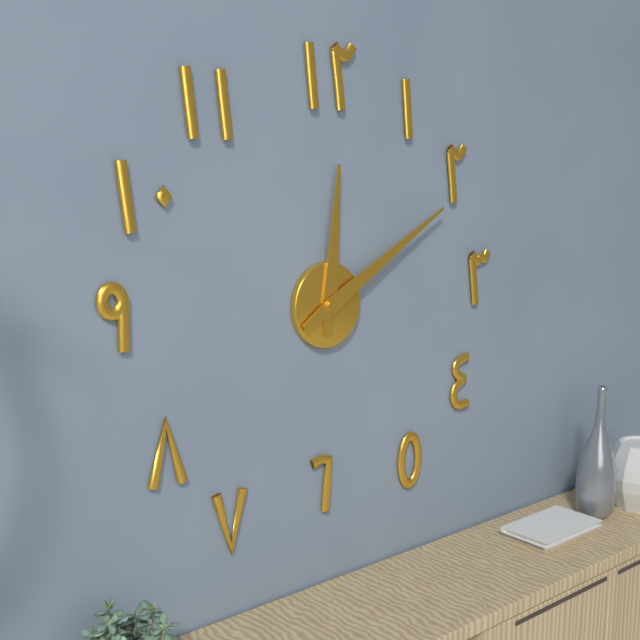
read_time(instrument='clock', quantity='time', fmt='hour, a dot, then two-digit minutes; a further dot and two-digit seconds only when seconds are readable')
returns 12.10
